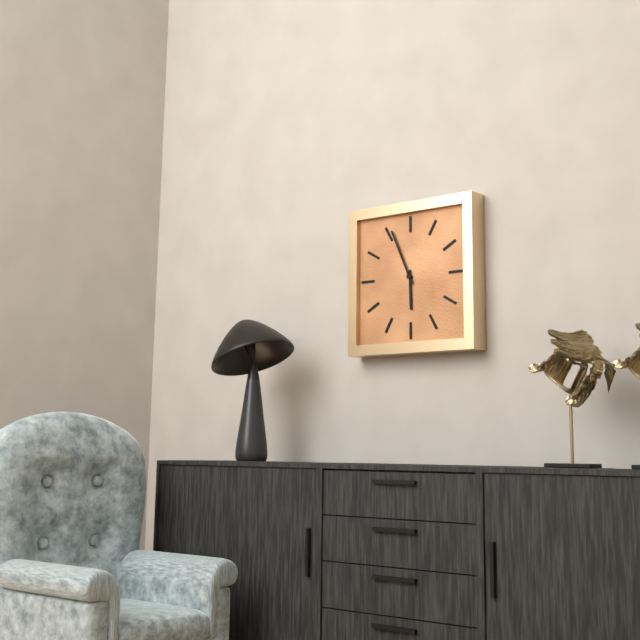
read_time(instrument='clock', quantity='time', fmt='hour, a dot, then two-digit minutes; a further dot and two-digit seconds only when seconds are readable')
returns 5.56
